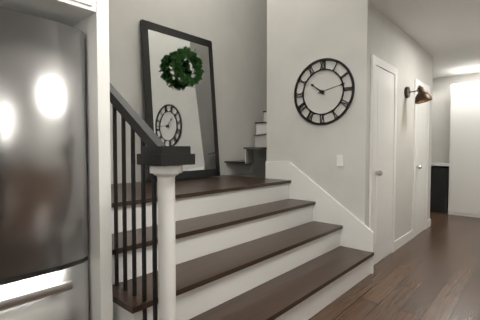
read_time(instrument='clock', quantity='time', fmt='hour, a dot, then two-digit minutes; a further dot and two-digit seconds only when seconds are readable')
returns 10.13
